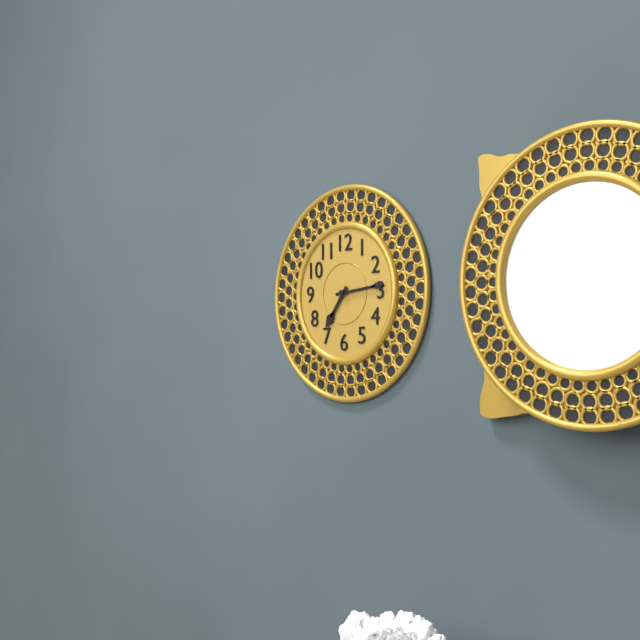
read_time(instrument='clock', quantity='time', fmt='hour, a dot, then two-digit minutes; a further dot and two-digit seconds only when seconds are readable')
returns 7.14
